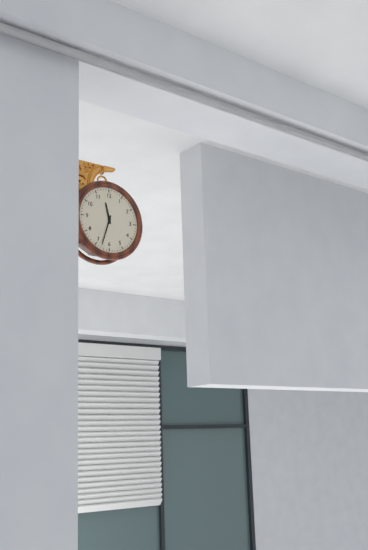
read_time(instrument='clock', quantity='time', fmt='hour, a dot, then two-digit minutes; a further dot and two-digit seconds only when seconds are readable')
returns 11.33
